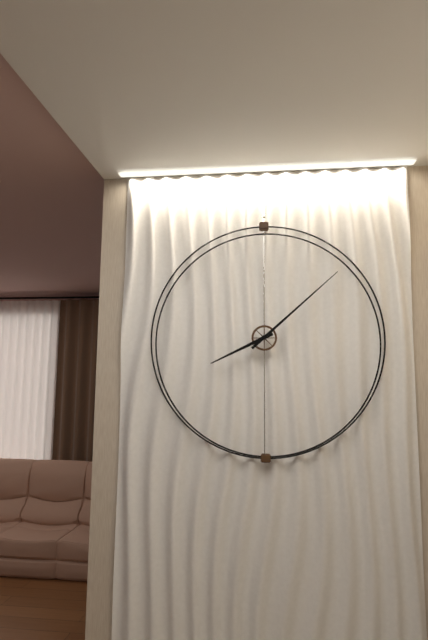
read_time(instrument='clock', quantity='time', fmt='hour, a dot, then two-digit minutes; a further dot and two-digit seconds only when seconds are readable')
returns 8.08
